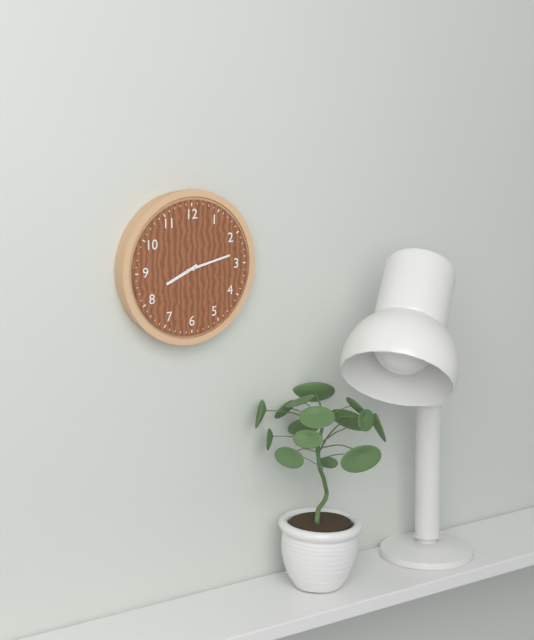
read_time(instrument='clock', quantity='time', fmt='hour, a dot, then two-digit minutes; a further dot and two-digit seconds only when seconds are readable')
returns 8.13
